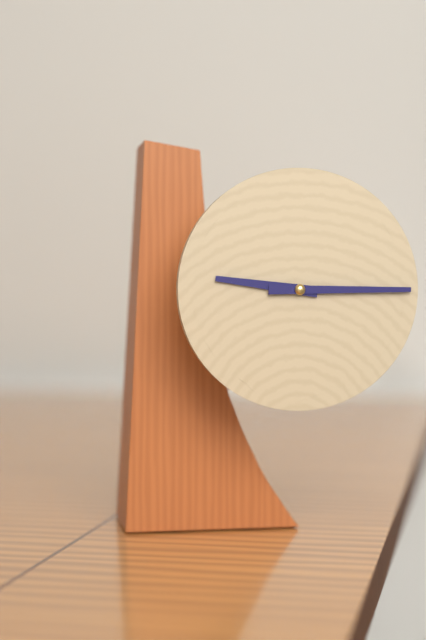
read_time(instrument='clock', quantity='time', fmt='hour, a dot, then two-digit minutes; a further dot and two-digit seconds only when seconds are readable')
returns 9.15
